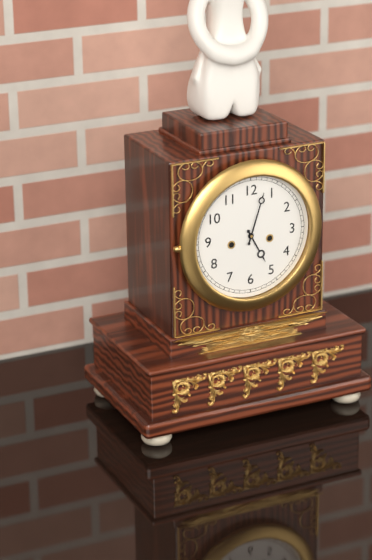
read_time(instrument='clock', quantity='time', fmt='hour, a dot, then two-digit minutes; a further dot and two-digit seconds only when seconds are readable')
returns 5.03
